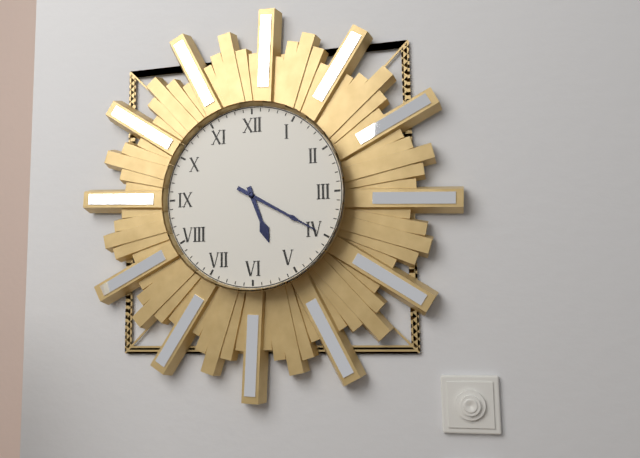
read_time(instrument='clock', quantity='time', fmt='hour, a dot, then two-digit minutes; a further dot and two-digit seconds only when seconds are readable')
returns 5.20
